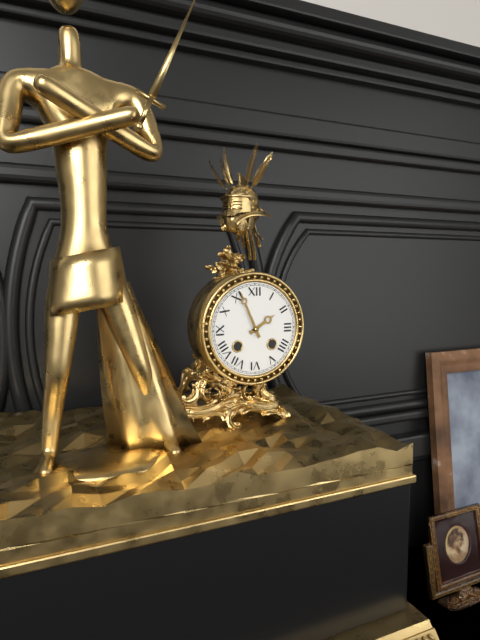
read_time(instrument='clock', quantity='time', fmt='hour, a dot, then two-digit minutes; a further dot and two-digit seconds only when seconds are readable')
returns 1.56
